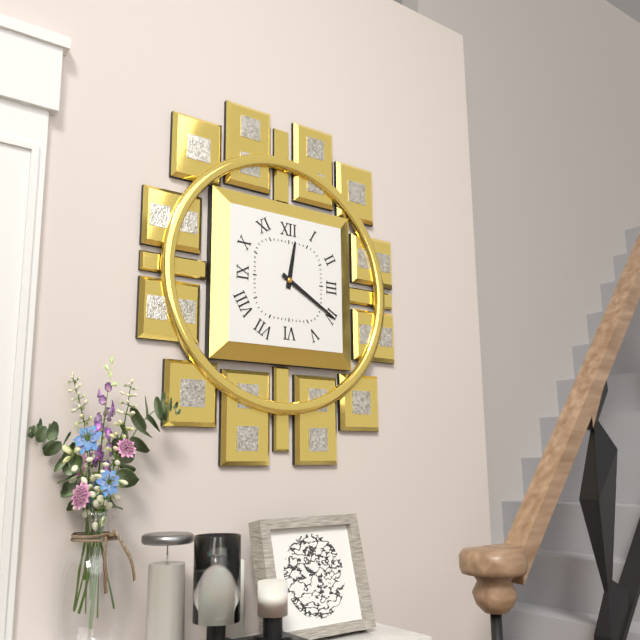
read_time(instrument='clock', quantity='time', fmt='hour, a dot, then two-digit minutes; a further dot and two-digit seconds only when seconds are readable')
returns 12.20
